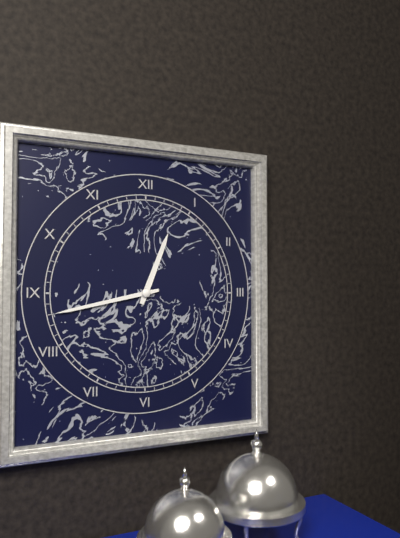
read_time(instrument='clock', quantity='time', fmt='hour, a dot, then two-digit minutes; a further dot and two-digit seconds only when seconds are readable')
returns 12.43
